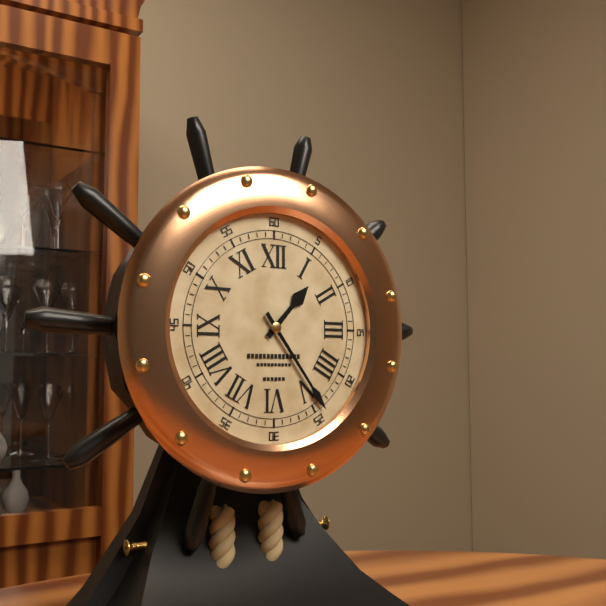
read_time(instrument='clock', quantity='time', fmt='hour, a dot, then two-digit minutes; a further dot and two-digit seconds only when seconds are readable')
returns 1.24
